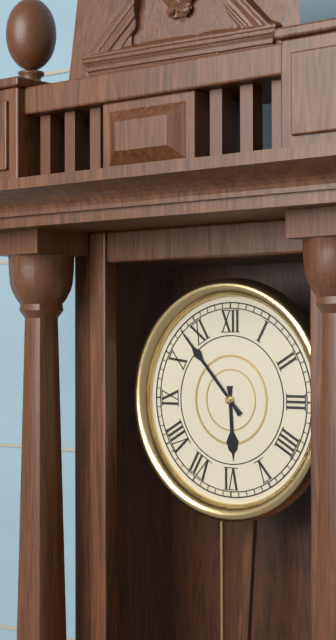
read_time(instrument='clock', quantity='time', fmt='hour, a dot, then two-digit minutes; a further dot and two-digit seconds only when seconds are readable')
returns 5.53
